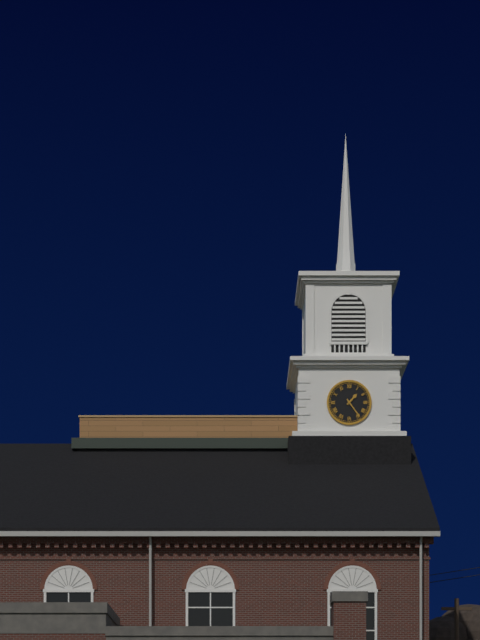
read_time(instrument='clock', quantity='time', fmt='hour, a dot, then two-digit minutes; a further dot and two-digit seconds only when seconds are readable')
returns 1.24
